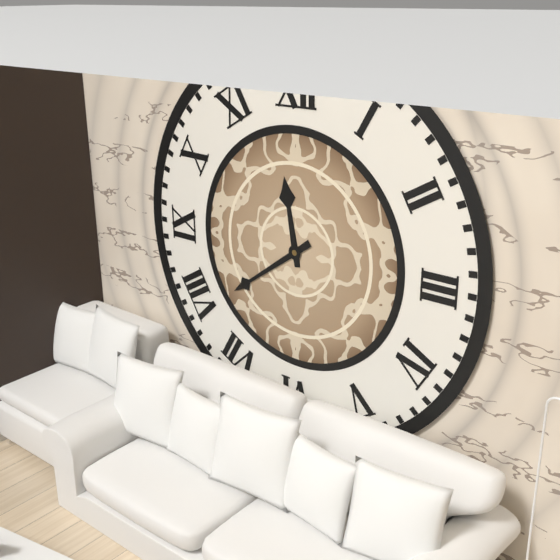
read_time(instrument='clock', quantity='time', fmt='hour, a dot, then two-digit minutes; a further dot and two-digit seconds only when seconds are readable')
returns 11.39
